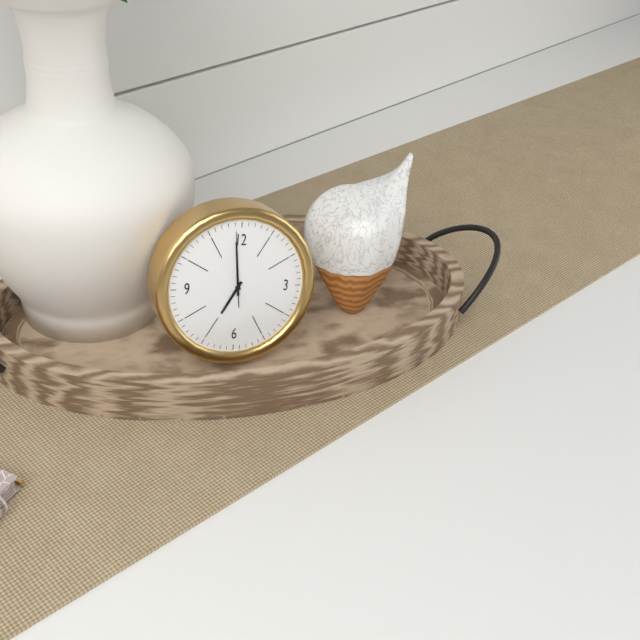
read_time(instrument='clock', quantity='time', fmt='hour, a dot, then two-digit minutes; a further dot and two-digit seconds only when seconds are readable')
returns 6.59.59
